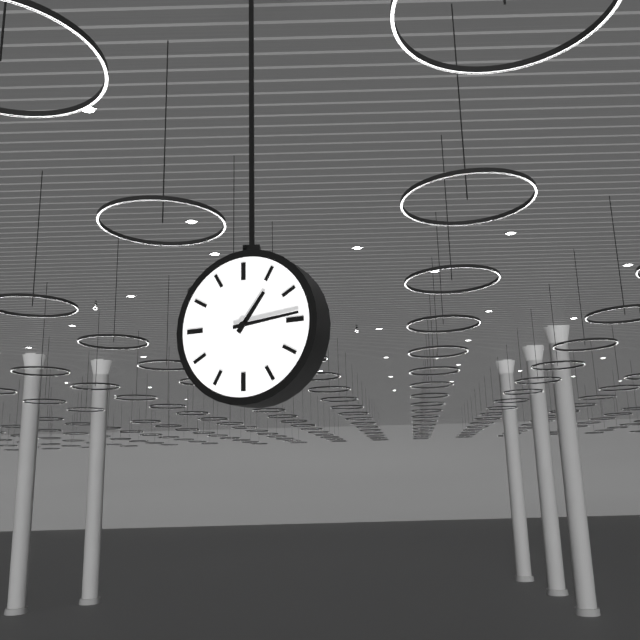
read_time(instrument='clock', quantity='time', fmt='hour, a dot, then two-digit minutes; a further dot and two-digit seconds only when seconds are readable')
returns 1.14
